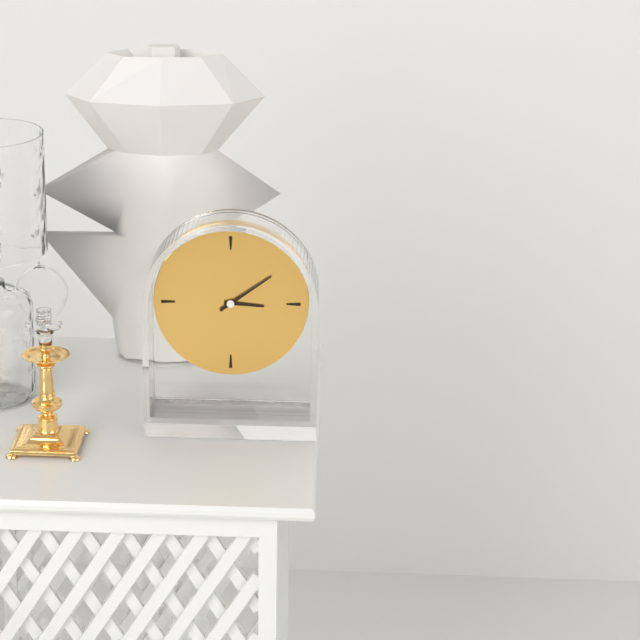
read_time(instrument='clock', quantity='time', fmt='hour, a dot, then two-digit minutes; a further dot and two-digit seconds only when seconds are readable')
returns 3.09
